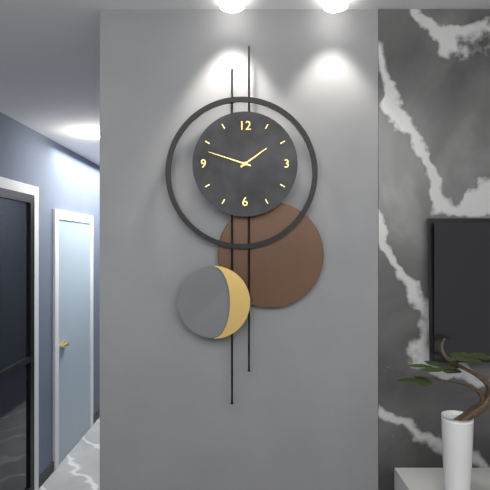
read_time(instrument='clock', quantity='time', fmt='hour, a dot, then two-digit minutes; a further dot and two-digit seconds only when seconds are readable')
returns 1.48
